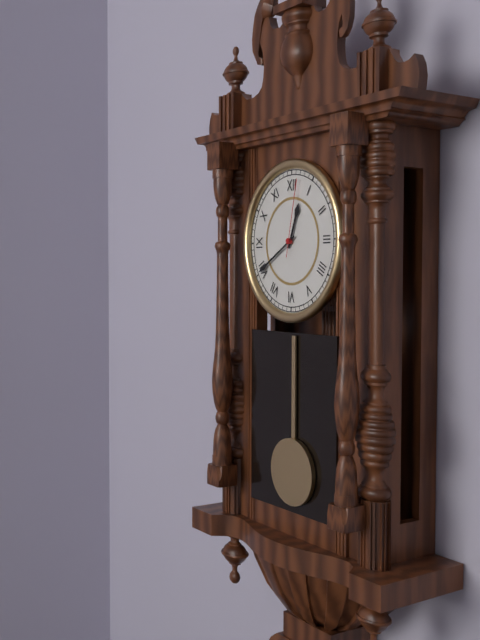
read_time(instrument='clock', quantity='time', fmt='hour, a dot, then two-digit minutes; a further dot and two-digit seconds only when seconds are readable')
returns 12.40.02
